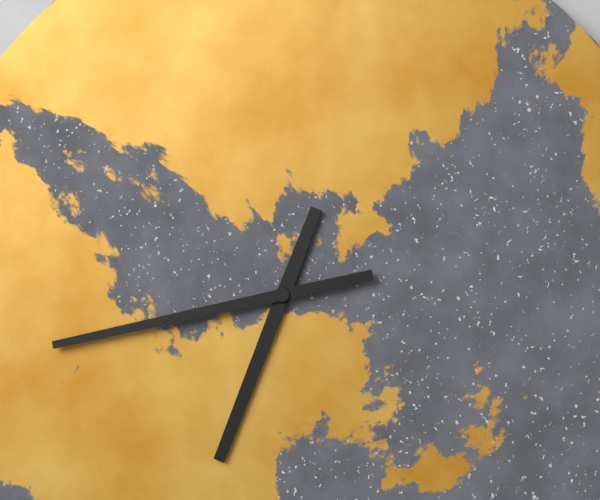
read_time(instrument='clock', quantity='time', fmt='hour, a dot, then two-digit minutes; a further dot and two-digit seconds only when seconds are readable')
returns 6.43
